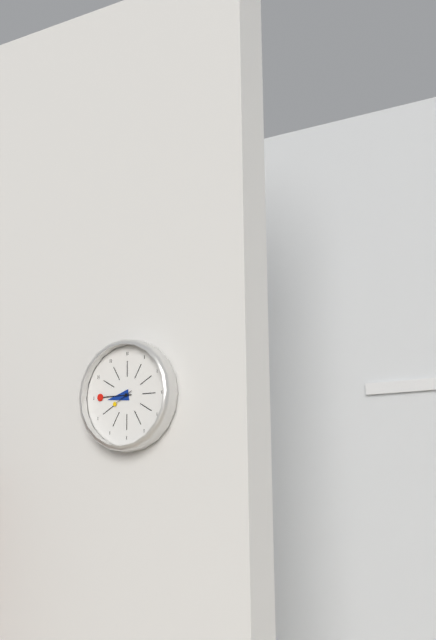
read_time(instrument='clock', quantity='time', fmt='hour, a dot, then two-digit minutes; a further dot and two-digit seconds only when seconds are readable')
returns 8.45
